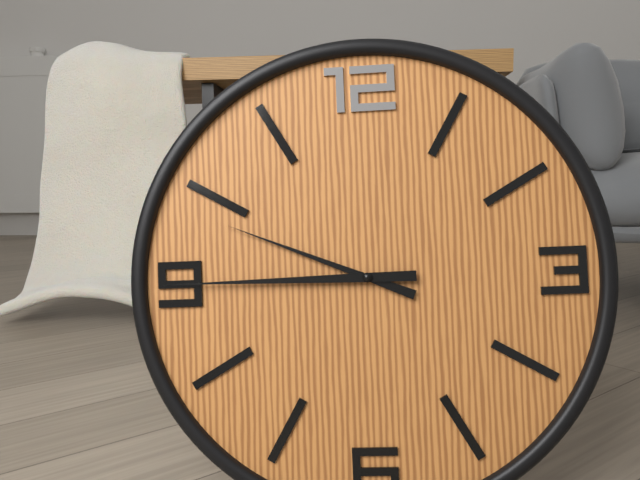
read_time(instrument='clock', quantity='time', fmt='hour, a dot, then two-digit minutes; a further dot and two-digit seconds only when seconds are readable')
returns 9.45
